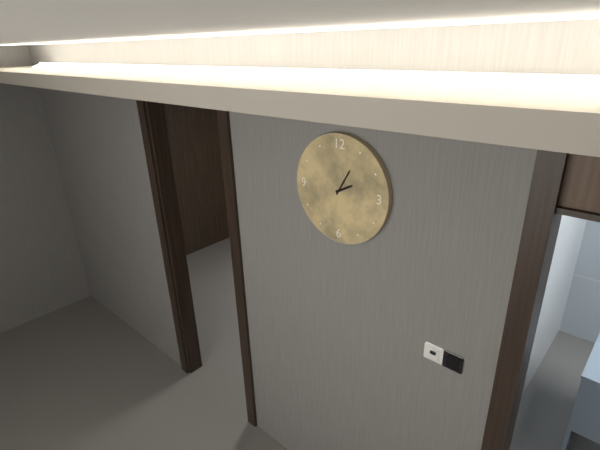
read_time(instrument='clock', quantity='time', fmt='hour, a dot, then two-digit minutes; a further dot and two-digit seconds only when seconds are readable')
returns 2.05
